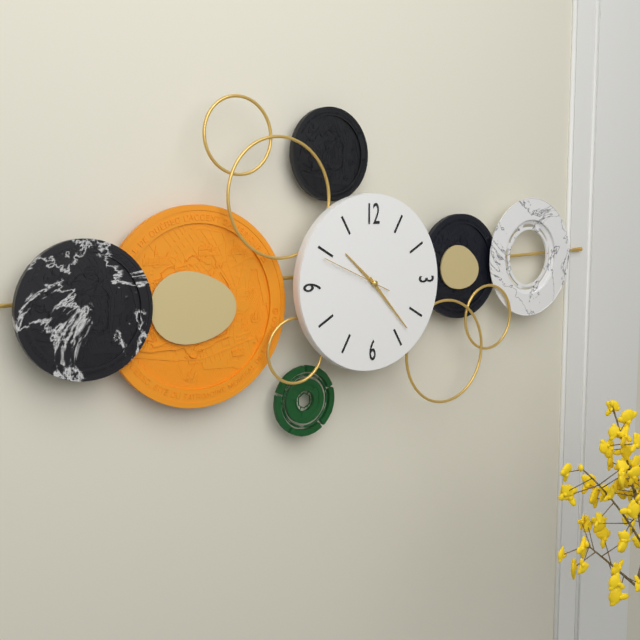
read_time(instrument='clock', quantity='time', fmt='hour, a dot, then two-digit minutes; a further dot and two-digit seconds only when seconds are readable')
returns 10.23.49
